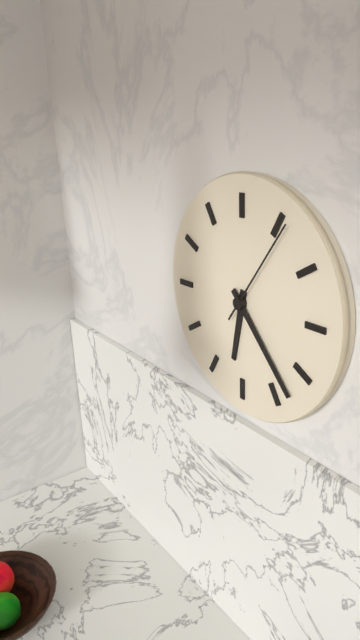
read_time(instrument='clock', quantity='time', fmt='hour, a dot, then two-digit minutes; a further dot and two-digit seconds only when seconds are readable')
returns 6.23.06
